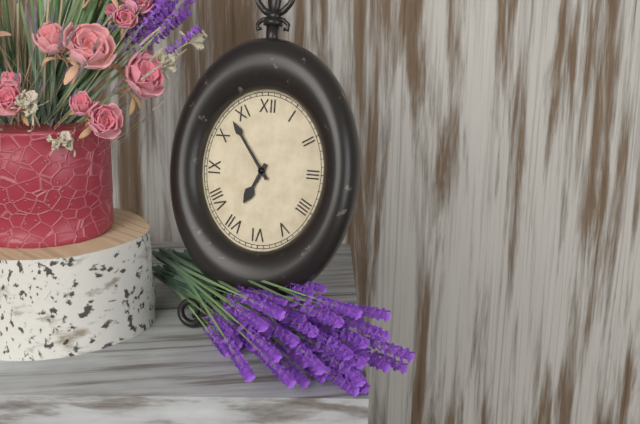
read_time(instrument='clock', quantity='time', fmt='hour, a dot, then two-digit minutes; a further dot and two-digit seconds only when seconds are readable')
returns 6.54
